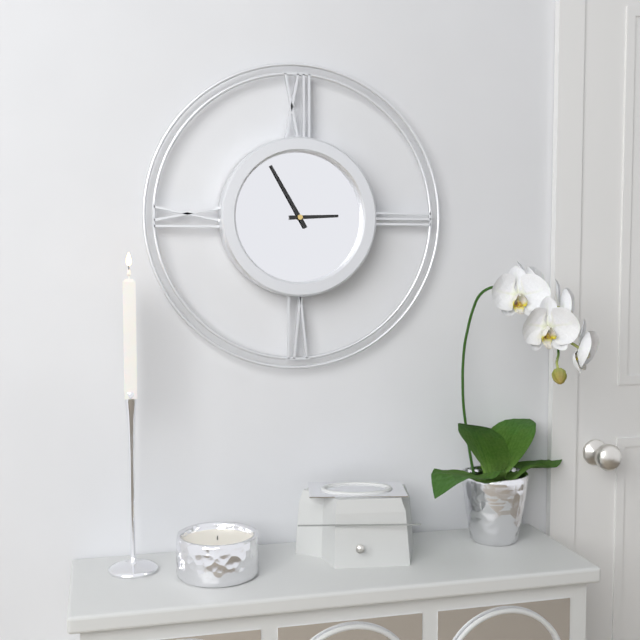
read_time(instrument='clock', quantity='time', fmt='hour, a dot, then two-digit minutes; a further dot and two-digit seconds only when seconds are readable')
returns 2.55
